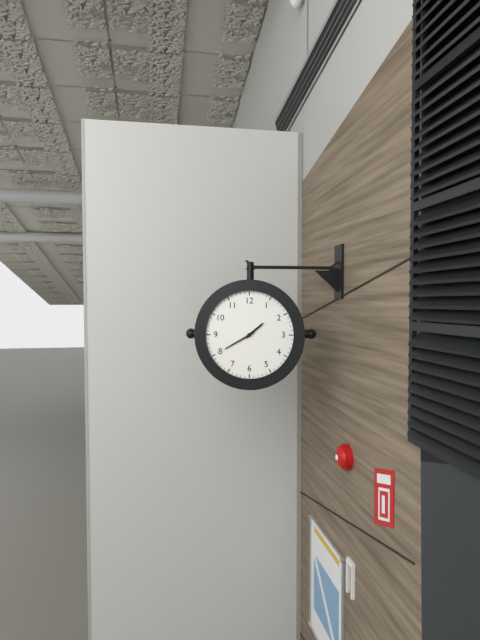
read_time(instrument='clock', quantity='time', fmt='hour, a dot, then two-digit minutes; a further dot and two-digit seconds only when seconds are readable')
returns 1.40
